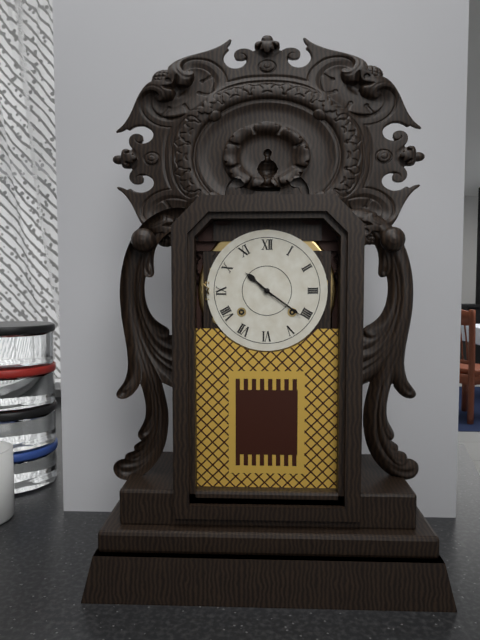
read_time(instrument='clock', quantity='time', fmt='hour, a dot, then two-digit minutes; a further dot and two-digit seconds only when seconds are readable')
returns 10.21
